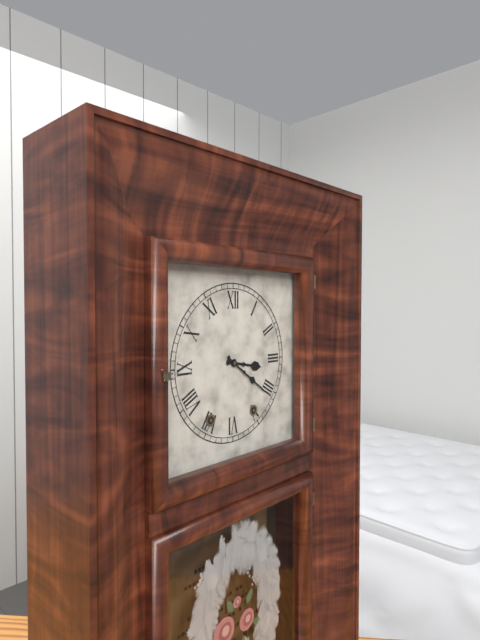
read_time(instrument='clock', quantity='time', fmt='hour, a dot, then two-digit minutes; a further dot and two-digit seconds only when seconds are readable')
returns 3.21
